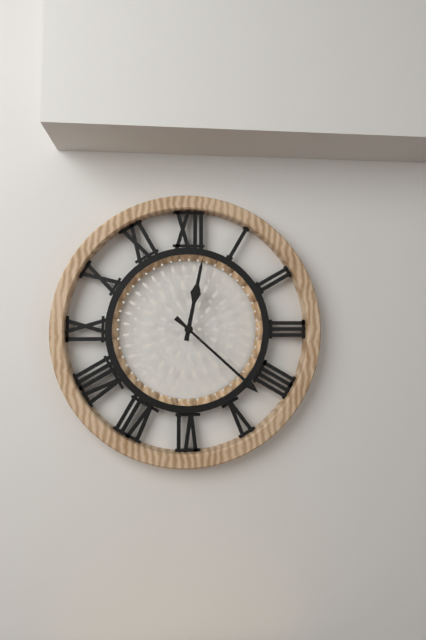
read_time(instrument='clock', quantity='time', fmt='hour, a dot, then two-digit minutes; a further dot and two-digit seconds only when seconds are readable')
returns 12.22
